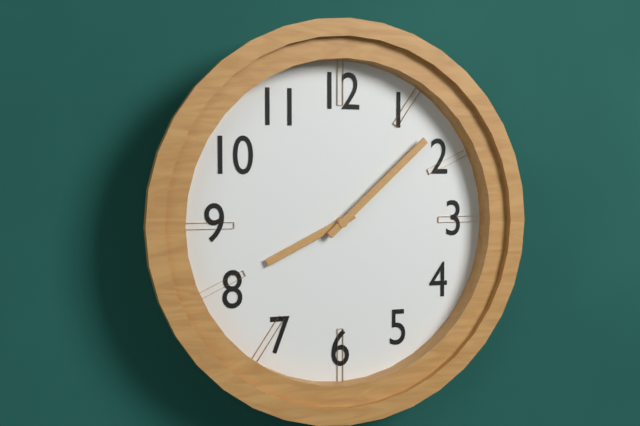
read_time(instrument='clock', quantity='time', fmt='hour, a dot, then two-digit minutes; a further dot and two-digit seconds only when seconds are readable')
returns 8.08
